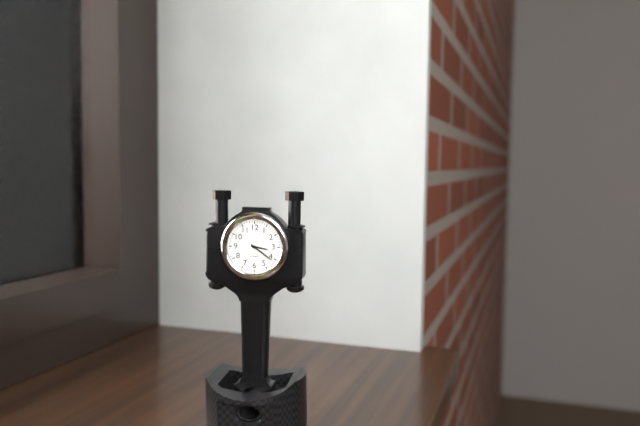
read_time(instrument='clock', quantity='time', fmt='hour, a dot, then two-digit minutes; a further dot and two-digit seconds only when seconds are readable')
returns 3.21
